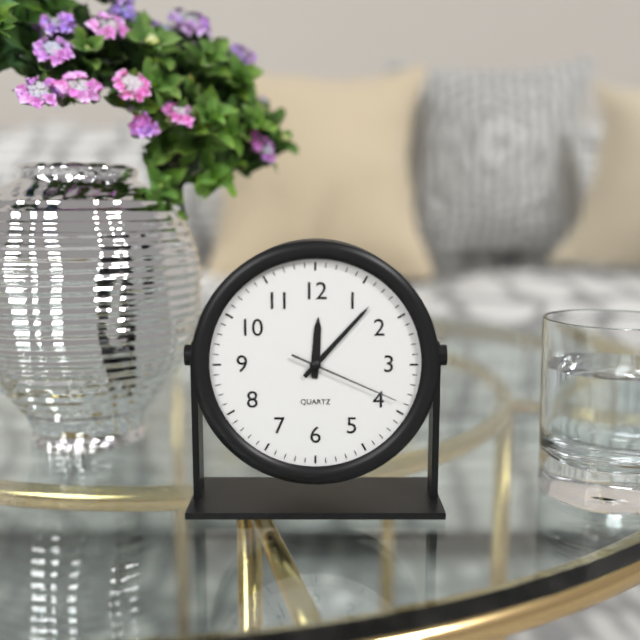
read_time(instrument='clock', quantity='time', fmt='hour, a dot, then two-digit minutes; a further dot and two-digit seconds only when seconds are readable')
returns 12.07.19
